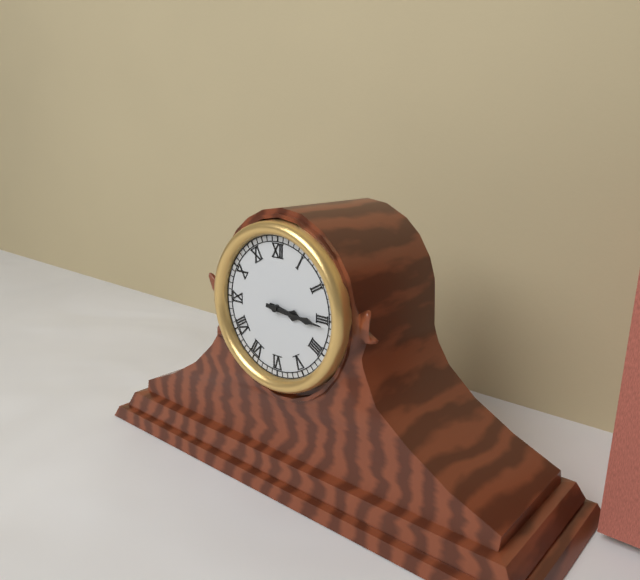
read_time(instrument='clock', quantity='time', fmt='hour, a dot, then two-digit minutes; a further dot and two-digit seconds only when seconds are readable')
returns 3.16
